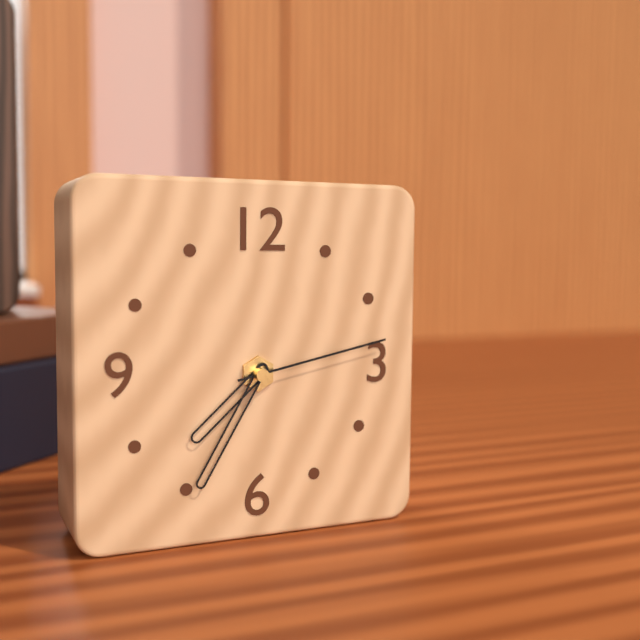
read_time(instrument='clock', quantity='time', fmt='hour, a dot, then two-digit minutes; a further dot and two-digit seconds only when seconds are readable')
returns 7.35.13
